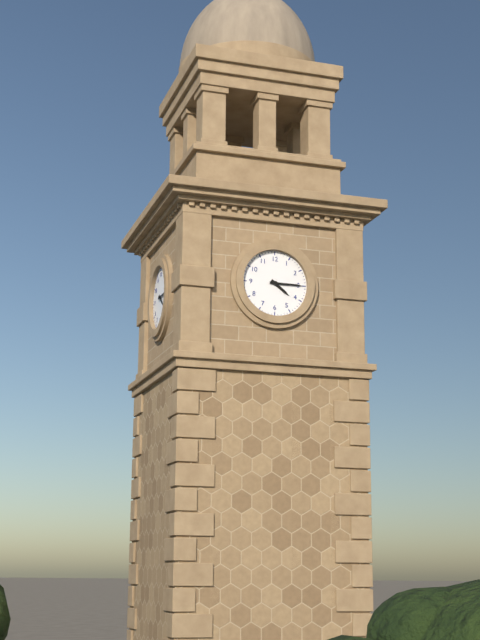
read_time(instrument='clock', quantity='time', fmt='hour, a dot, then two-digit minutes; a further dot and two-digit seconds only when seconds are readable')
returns 4.15
